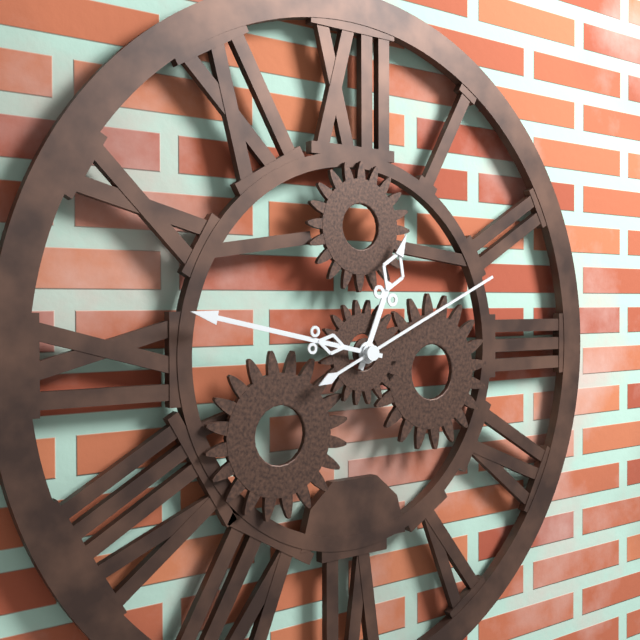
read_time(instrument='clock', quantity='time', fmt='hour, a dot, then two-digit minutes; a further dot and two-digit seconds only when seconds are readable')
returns 12.47.11
